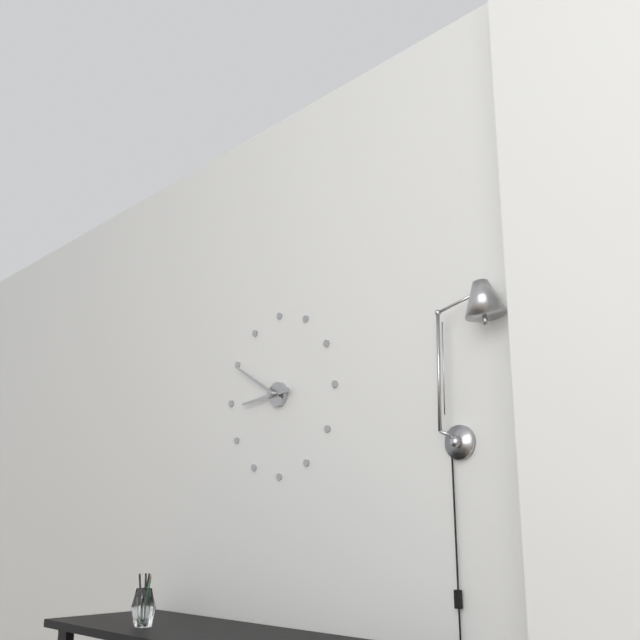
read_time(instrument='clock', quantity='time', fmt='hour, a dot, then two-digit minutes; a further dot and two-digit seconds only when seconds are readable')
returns 8.50
